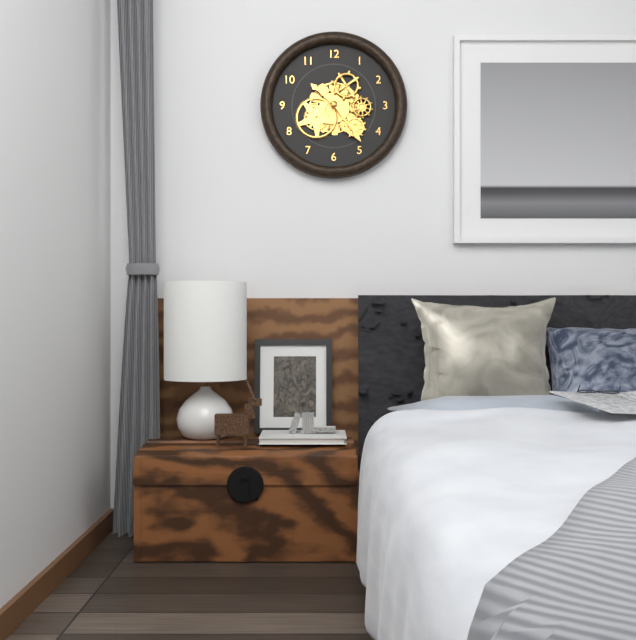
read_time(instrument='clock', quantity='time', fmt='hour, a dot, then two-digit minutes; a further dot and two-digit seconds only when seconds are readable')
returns 10.24
